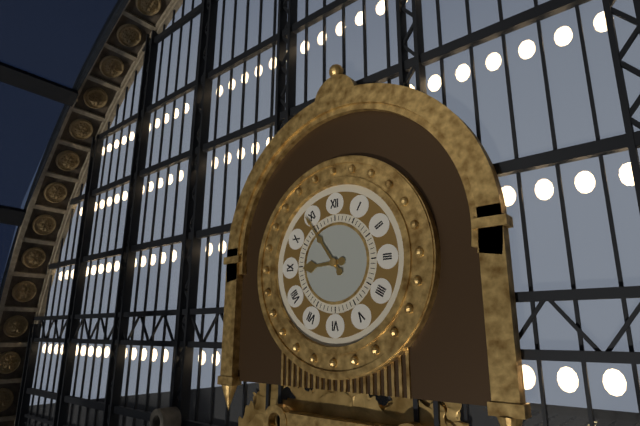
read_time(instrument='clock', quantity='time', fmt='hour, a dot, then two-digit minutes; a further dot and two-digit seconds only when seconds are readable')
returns 8.54
